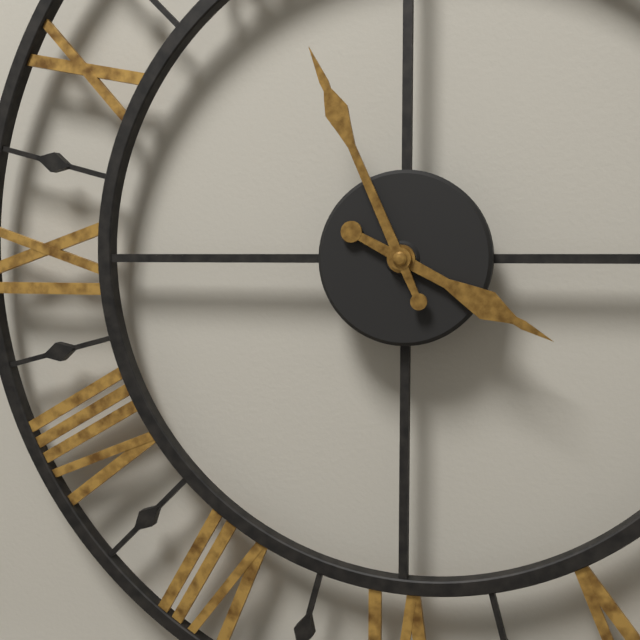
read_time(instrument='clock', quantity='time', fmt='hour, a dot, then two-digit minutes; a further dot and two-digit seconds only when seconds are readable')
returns 3.56
